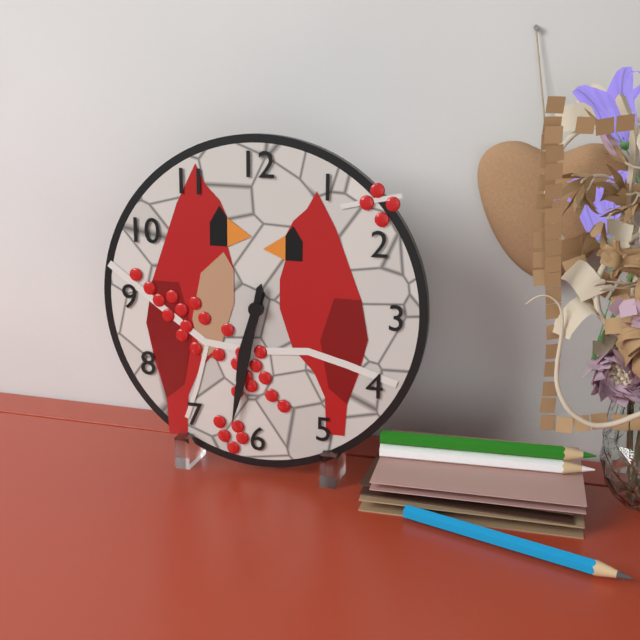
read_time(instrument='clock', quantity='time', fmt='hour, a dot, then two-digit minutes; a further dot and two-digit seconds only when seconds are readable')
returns 6.32
